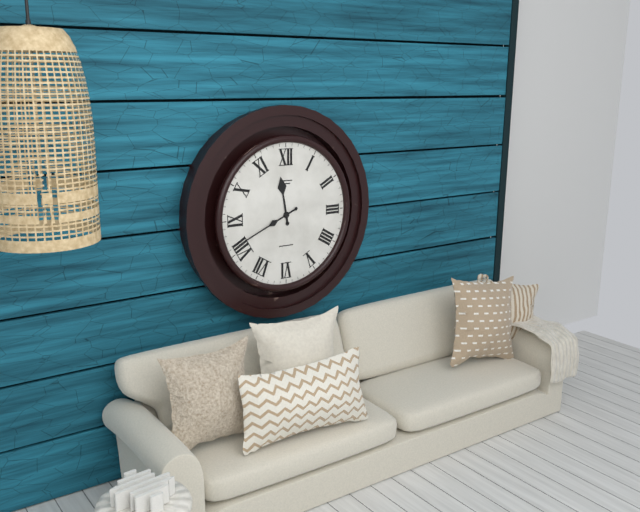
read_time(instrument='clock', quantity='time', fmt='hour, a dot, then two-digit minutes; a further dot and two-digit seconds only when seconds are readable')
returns 11.41
